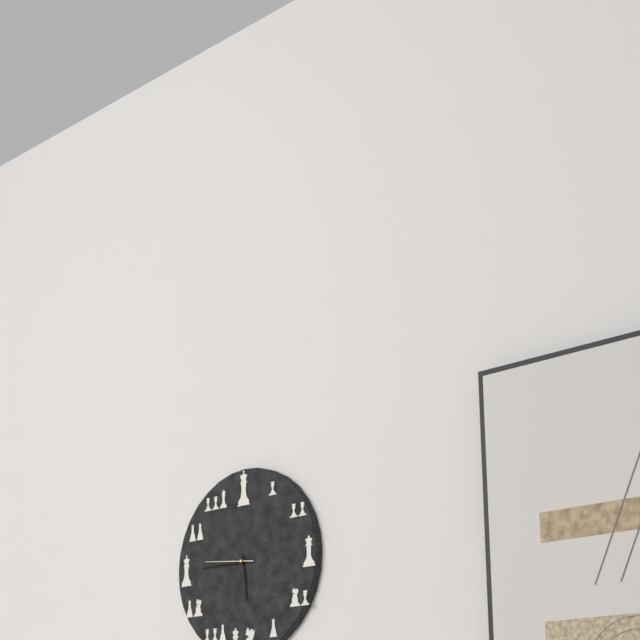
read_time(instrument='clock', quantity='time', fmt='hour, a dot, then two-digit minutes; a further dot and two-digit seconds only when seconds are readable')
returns 5.45
